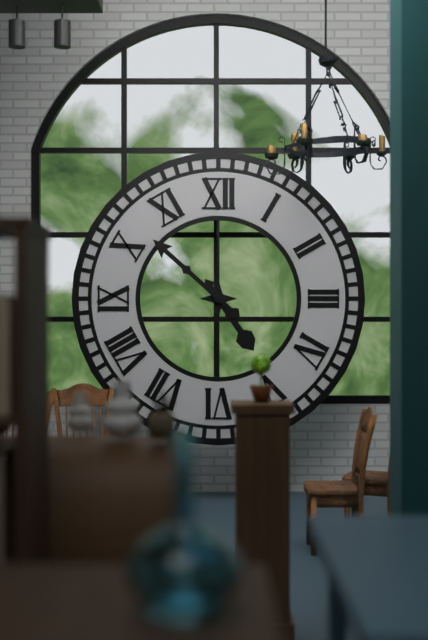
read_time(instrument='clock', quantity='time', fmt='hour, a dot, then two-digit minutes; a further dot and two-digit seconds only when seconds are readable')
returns 4.52
